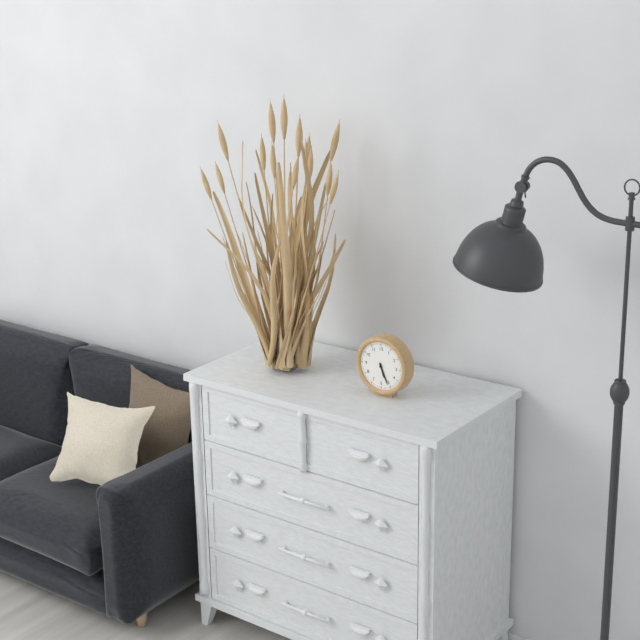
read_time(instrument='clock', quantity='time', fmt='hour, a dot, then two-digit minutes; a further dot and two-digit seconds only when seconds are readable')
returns 5.26
